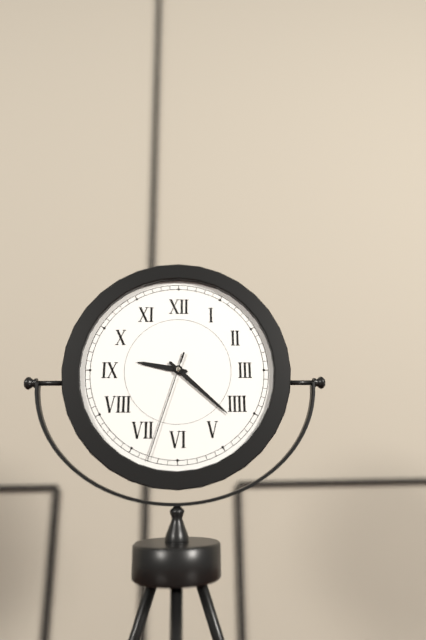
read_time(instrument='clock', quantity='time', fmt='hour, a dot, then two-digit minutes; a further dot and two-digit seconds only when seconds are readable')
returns 9.22.33
